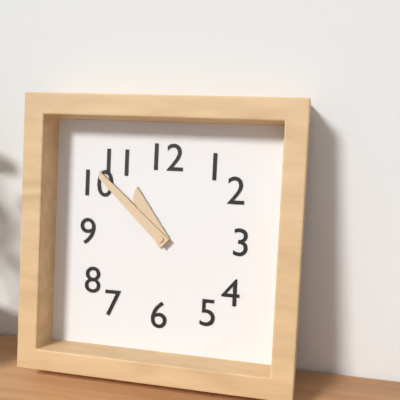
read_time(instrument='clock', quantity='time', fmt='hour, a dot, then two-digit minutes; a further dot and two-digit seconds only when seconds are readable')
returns 10.52
